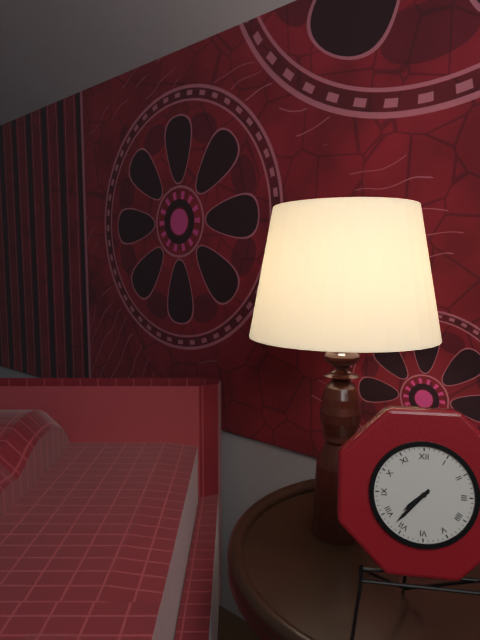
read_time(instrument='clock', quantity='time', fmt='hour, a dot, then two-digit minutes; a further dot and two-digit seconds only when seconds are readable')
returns 7.37
